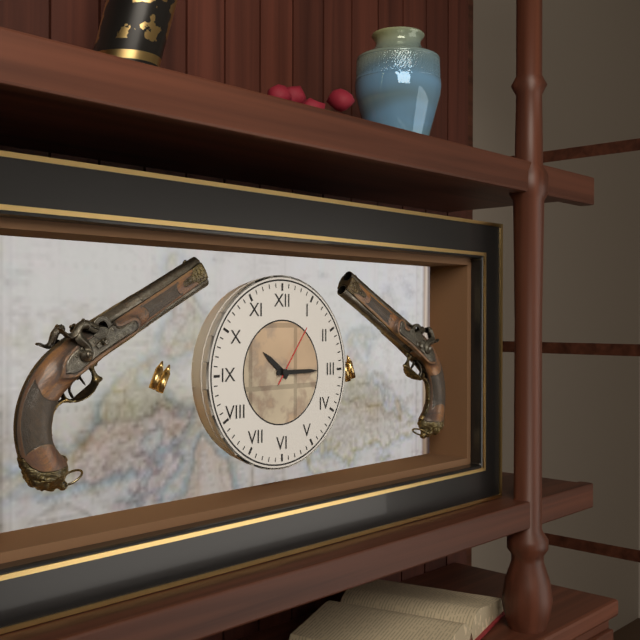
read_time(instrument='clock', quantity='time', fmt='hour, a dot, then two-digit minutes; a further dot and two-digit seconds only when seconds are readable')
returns 10.15.06
